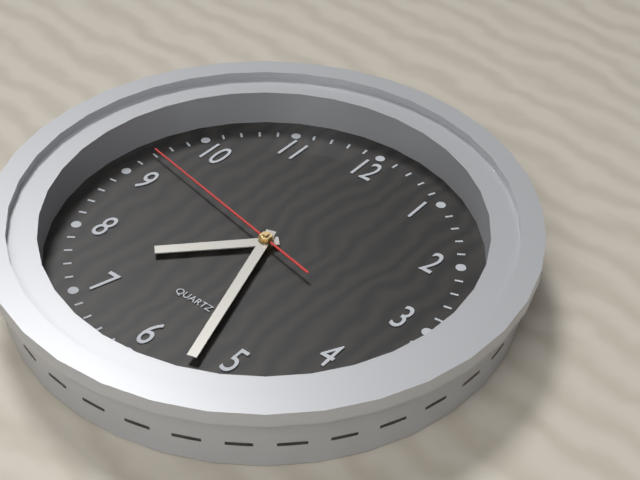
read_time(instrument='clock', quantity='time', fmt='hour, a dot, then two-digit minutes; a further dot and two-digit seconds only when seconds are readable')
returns 7.27.47
